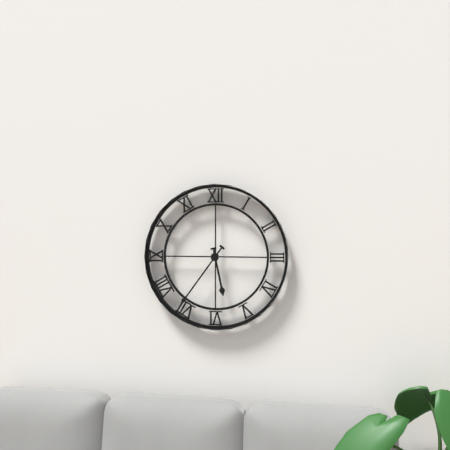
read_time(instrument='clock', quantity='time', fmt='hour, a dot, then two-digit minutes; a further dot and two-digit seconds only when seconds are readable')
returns 5.36
